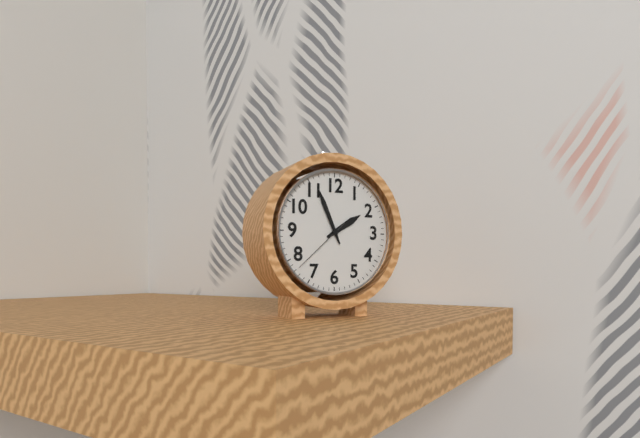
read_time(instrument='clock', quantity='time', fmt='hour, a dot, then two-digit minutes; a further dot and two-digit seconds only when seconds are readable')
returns 1.56.38
